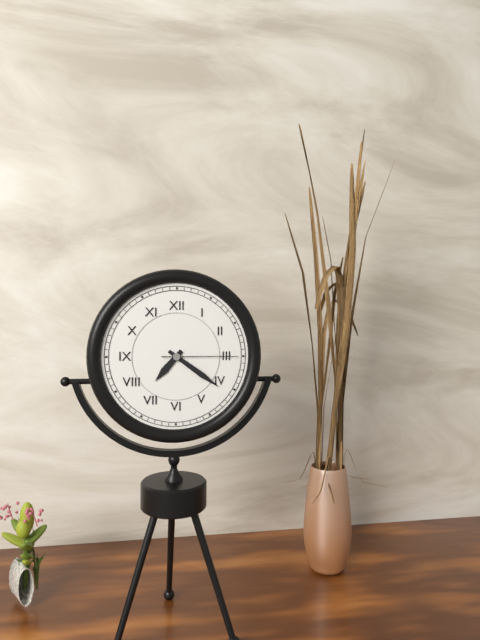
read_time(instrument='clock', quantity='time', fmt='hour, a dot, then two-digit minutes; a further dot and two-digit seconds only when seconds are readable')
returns 7.21.15
